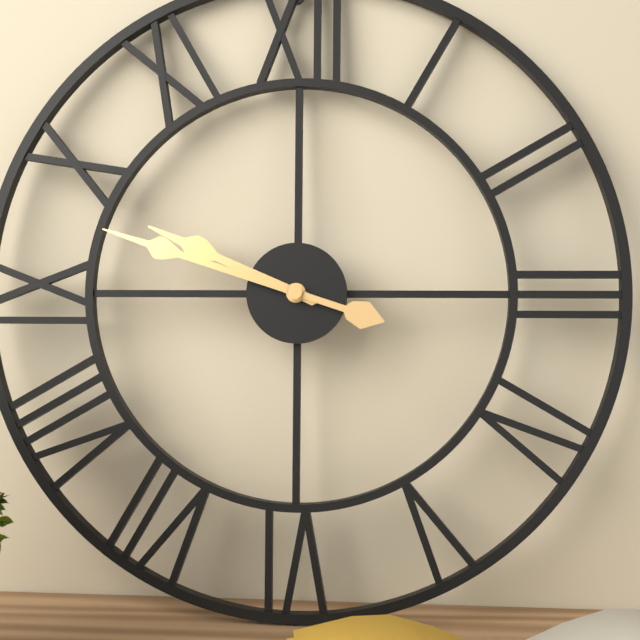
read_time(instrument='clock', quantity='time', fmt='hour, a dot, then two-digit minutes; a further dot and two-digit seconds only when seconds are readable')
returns 9.48
